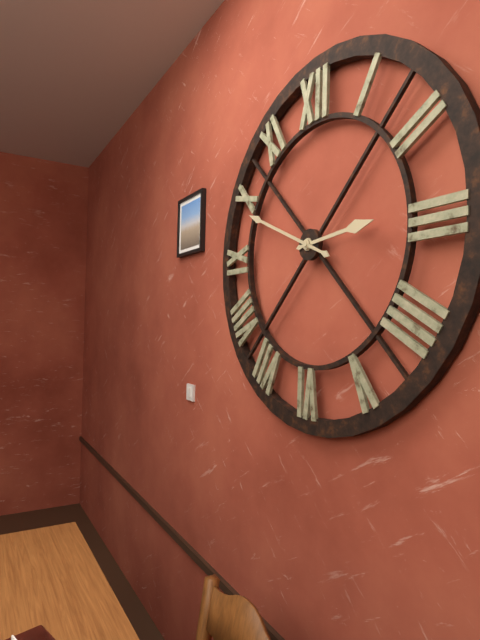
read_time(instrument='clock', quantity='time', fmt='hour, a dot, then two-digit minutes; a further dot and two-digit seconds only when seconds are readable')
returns 2.49
